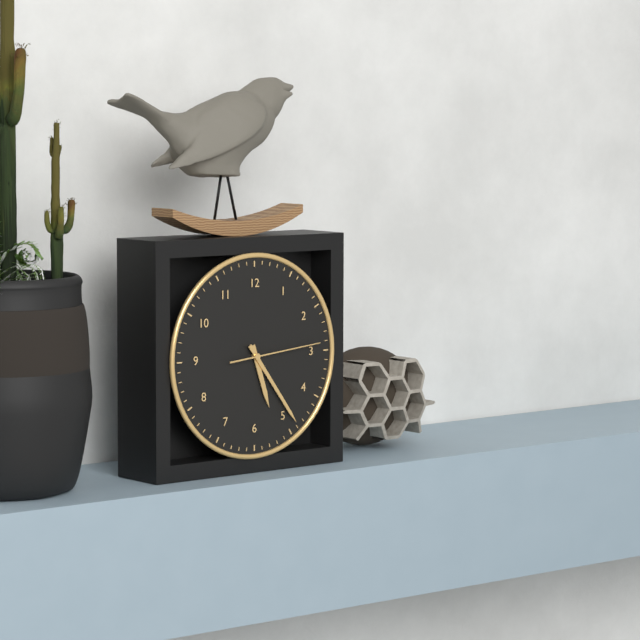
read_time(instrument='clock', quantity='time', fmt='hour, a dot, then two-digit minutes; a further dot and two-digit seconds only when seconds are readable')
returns 5.24.14
